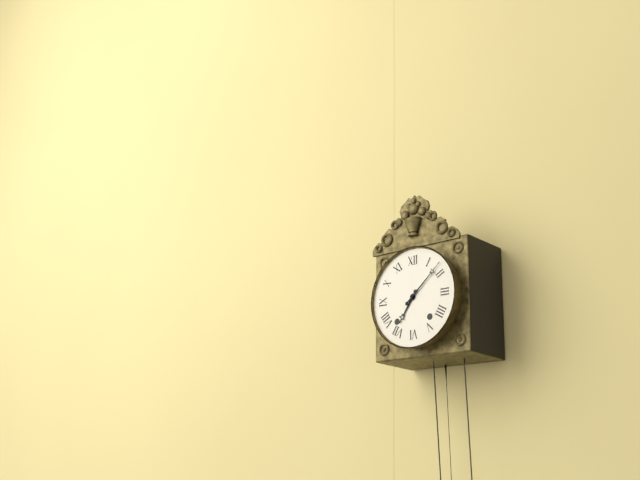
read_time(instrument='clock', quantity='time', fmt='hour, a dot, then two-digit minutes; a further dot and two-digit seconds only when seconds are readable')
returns 7.08
